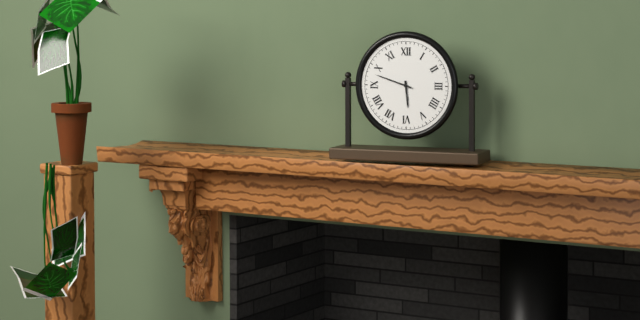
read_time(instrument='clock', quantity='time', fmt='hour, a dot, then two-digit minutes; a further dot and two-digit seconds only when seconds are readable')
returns 5.48
